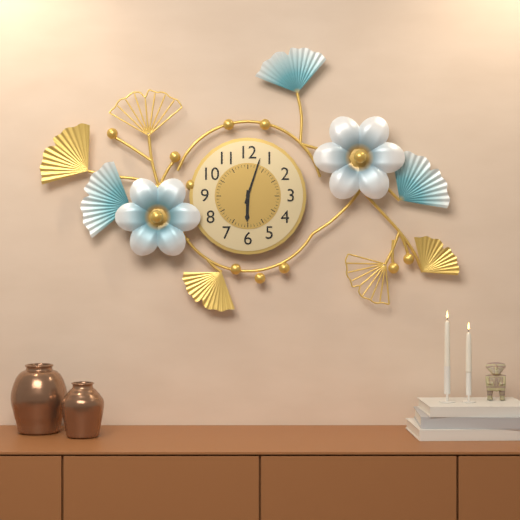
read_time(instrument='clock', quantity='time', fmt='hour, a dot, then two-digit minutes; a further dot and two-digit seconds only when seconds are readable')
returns 6.03
